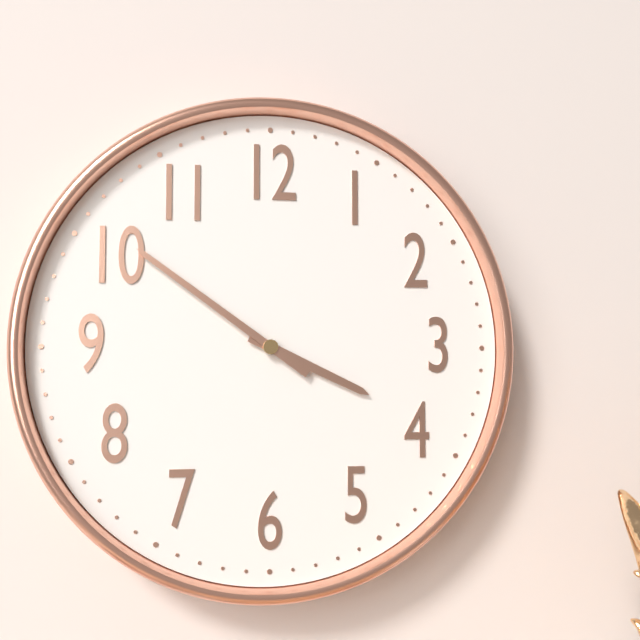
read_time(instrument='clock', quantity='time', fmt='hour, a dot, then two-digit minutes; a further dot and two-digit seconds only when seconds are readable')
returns 3.51
